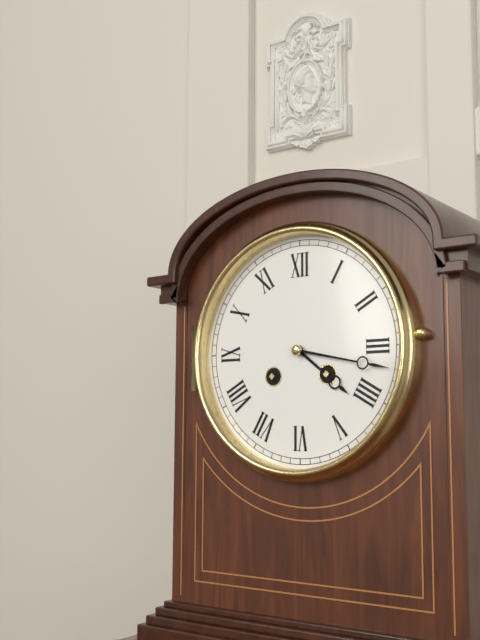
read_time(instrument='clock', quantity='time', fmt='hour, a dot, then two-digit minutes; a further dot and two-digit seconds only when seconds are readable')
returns 4.17
